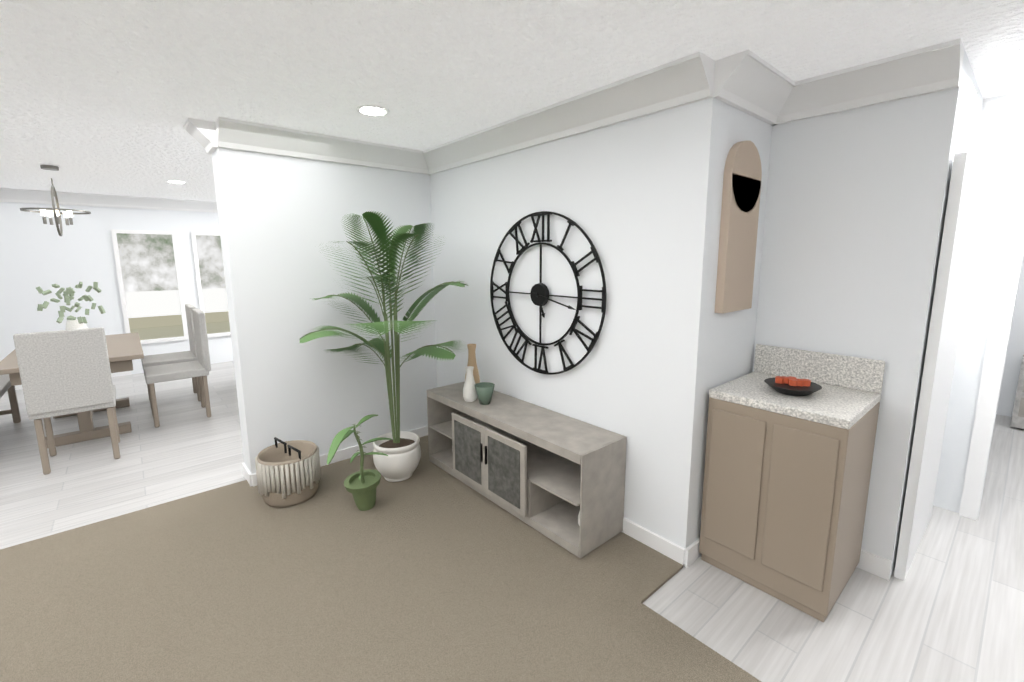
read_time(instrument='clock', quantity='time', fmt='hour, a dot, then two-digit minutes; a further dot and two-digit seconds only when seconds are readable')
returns 5.17
